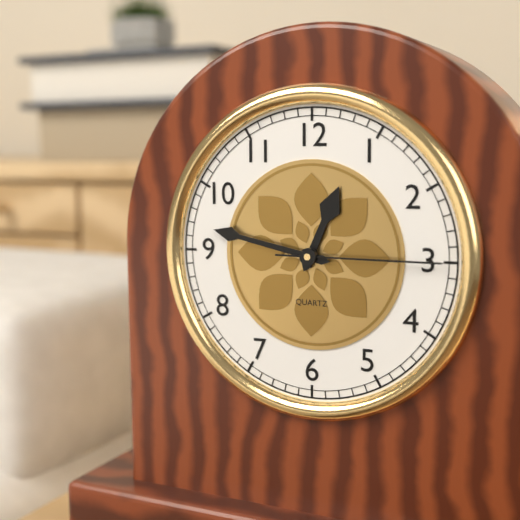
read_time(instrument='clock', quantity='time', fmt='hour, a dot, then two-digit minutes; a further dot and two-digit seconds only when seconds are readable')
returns 12.47.15
